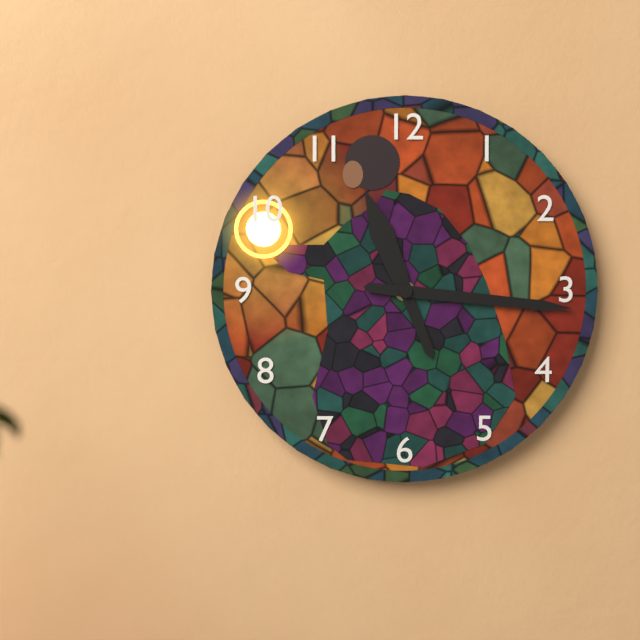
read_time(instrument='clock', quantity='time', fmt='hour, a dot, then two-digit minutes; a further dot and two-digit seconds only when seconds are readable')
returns 11.16
